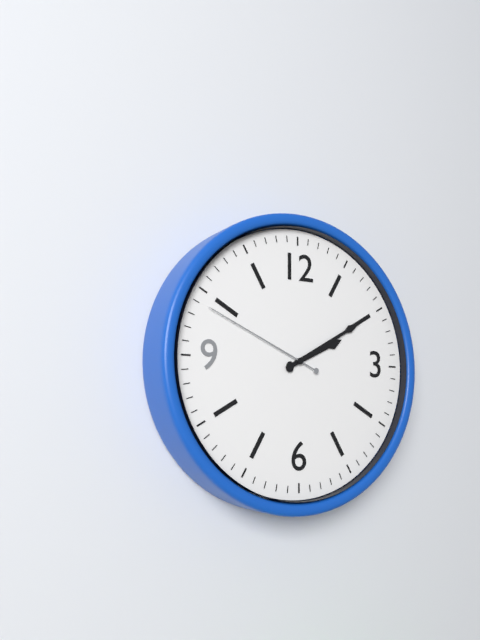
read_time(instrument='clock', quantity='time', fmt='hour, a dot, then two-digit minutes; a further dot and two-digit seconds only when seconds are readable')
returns 2.10.49
